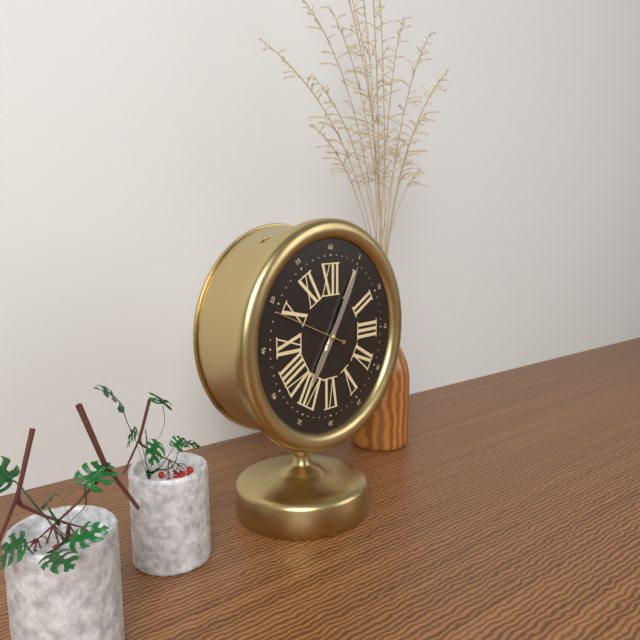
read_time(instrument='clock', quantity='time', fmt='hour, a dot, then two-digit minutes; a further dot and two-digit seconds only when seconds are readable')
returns 7.05.49
